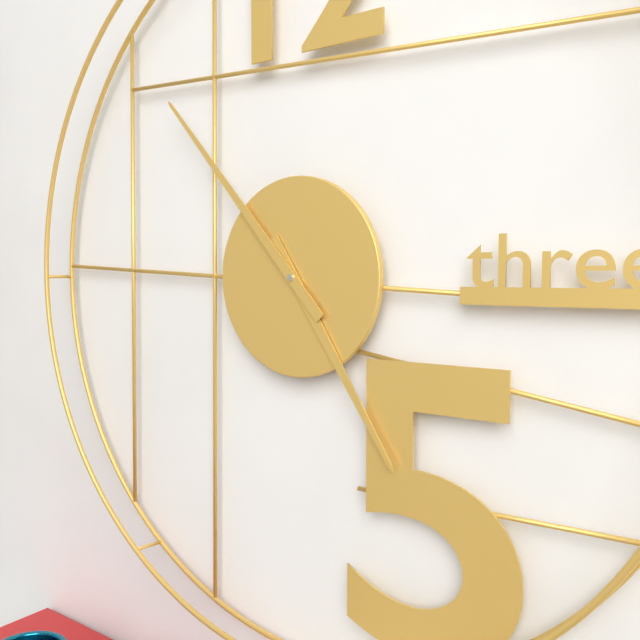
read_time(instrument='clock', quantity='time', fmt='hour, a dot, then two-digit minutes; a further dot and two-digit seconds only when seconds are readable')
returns 4.53
